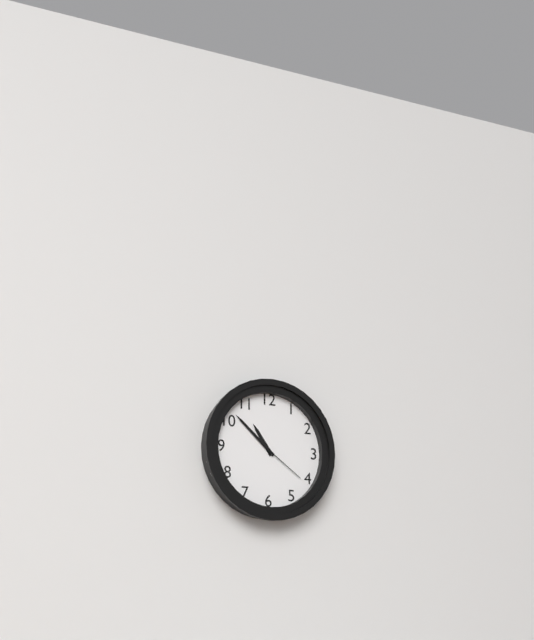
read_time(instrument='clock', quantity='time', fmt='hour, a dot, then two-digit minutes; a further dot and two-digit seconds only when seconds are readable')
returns 10.52.21
